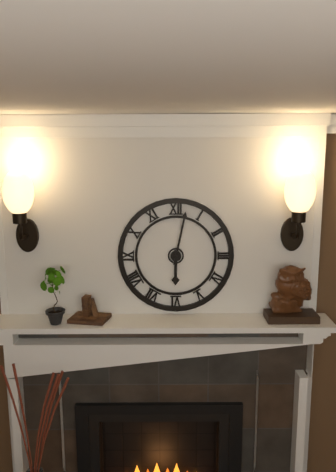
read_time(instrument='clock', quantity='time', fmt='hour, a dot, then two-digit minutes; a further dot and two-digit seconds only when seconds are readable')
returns 6.02
